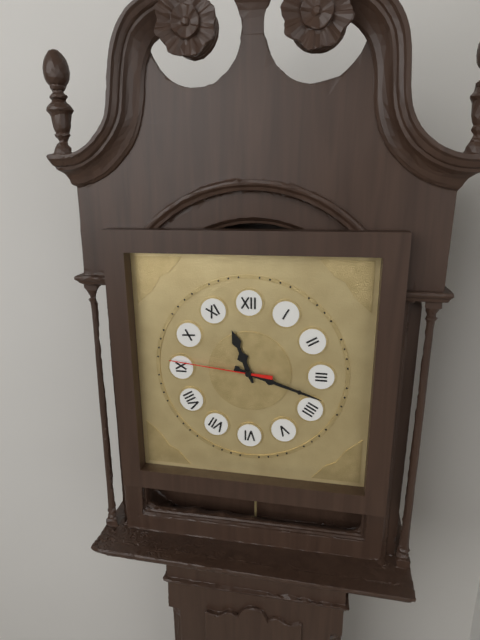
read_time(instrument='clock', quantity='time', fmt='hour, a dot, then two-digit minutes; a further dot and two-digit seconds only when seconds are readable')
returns 11.18.46
